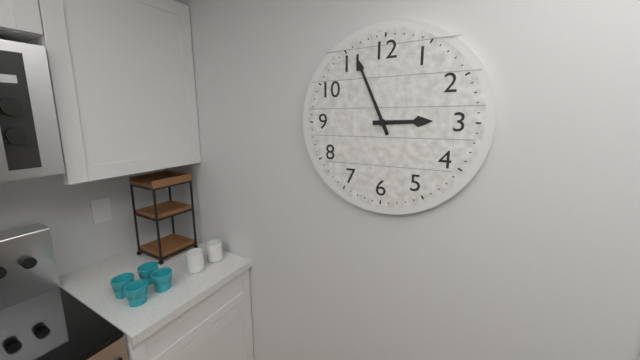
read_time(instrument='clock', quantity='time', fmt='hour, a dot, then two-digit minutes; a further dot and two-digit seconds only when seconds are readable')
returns 2.56
